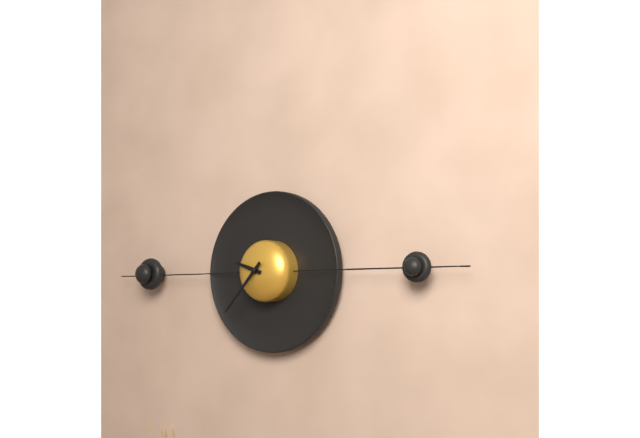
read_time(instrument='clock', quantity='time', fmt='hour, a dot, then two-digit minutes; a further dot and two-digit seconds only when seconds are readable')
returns 9.37
